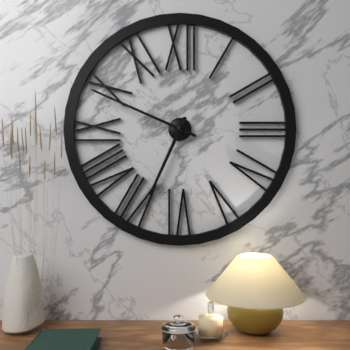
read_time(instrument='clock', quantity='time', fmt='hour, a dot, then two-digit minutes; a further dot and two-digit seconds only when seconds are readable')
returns 6.49
